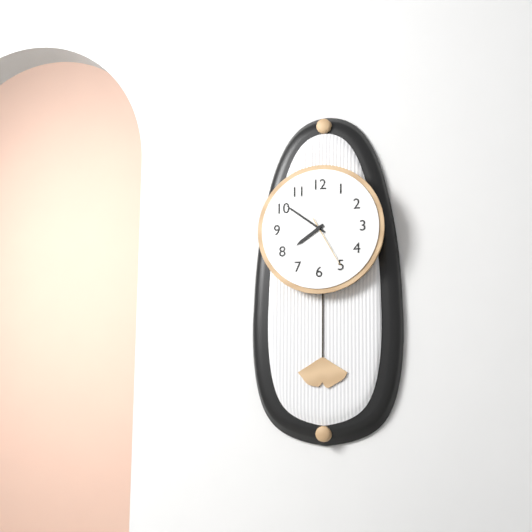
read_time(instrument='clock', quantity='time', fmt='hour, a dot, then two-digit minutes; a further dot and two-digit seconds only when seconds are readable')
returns 7.51.25
